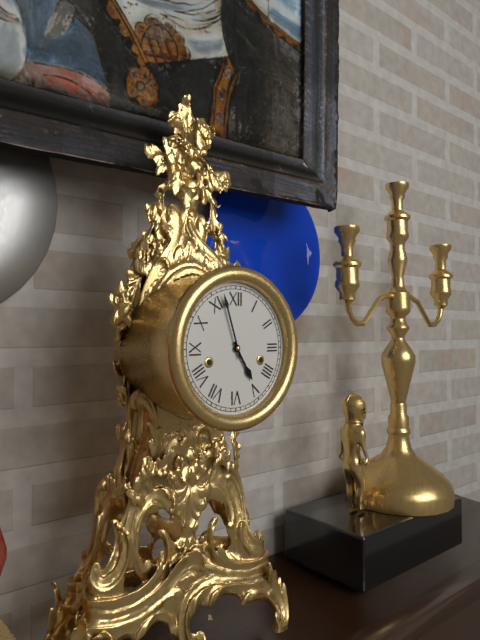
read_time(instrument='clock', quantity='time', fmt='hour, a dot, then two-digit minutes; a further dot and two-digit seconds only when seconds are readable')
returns 4.57
